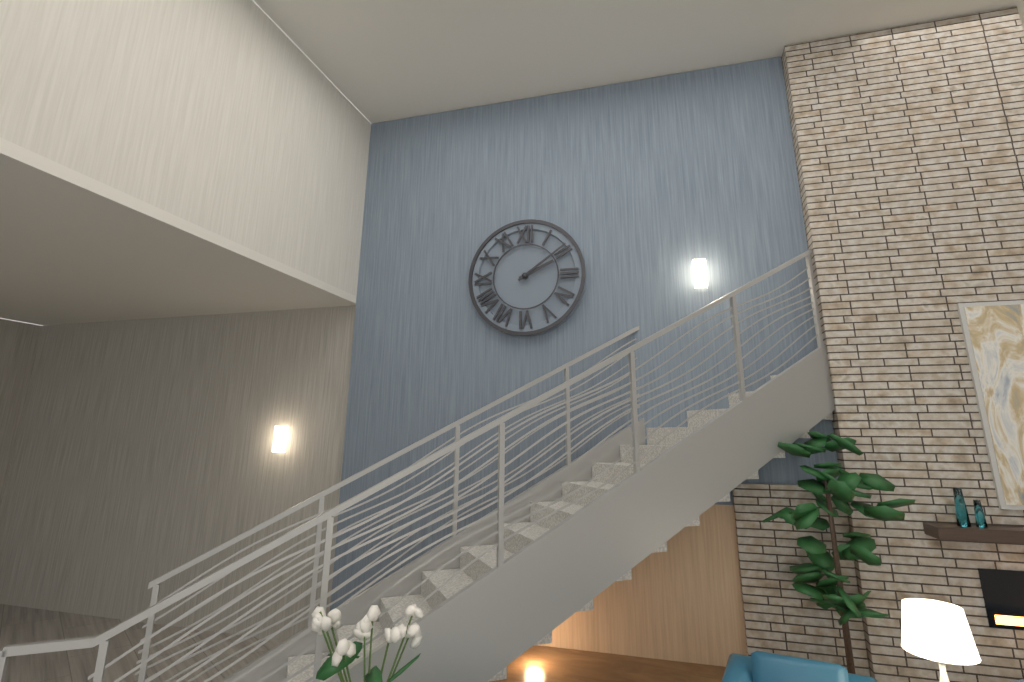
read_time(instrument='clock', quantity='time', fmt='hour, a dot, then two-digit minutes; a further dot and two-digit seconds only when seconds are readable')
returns 2.09
